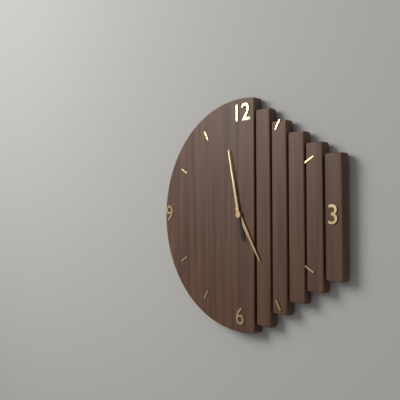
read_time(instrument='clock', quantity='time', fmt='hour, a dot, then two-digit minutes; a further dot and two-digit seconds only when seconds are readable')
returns 4.58
